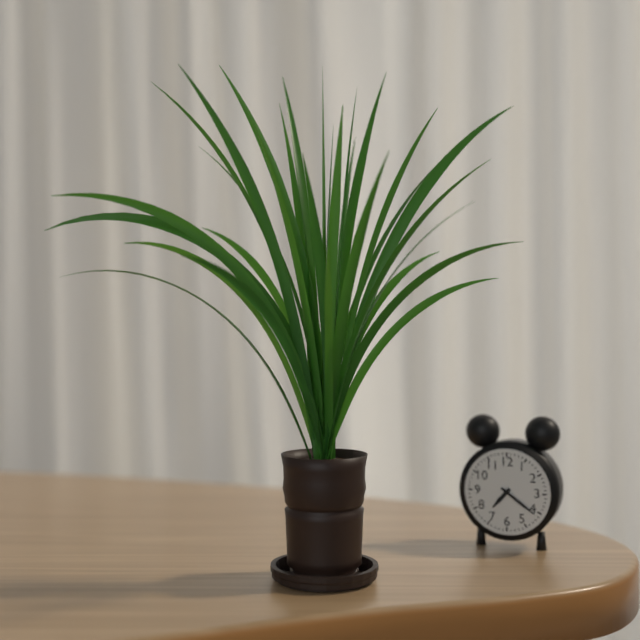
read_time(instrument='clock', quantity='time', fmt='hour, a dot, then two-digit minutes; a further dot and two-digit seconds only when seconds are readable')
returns 7.21
